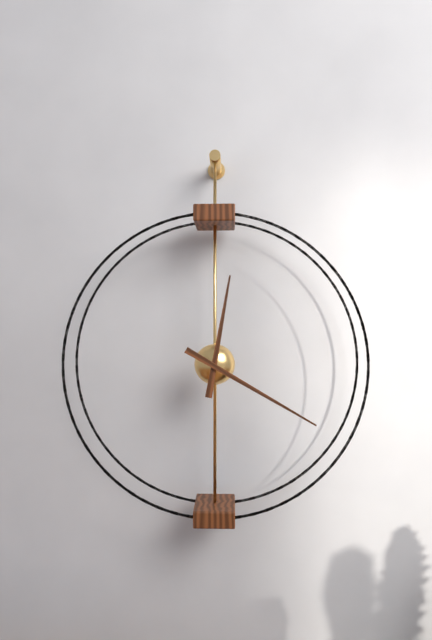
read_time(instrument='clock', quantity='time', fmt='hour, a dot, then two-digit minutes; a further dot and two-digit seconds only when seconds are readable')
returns 12.20
